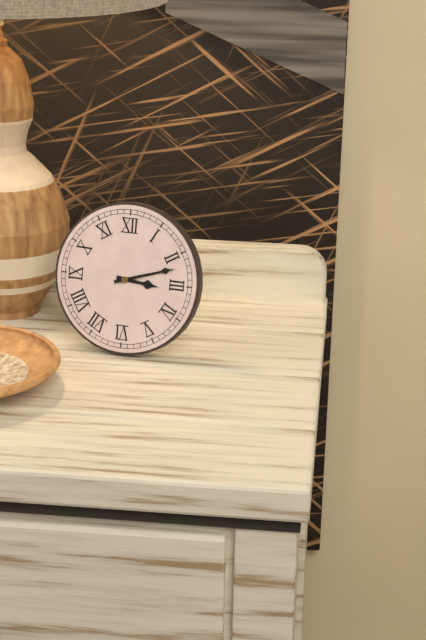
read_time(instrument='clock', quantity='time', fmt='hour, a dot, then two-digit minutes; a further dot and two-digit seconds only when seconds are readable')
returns 3.12
